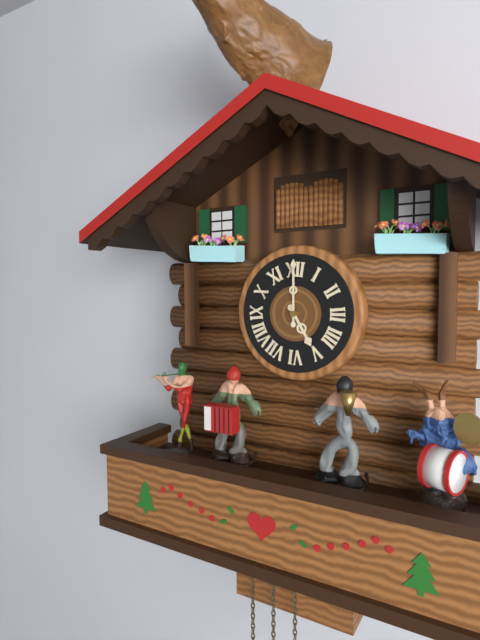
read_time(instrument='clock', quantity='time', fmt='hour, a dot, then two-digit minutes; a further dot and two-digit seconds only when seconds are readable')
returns 5.00
